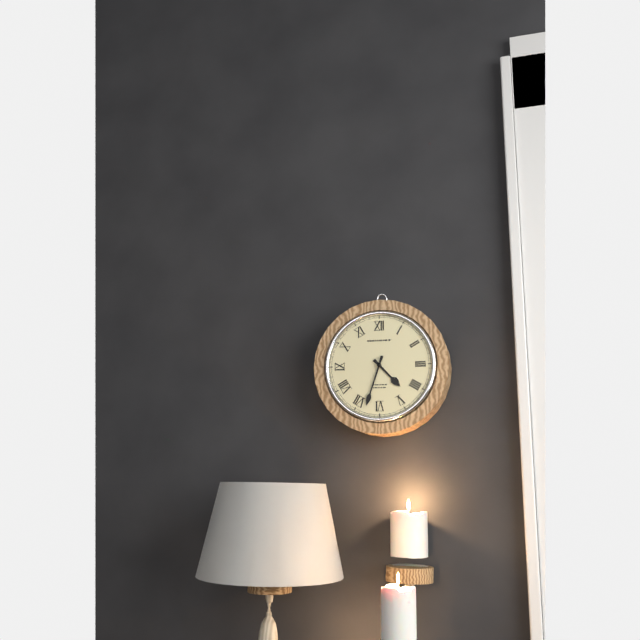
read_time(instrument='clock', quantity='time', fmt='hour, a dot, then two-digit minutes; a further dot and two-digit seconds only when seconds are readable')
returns 4.33
